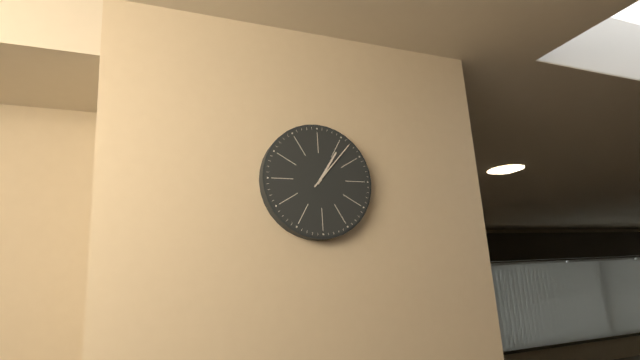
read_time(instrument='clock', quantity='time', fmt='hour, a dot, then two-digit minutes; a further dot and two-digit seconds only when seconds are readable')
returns 1.07
